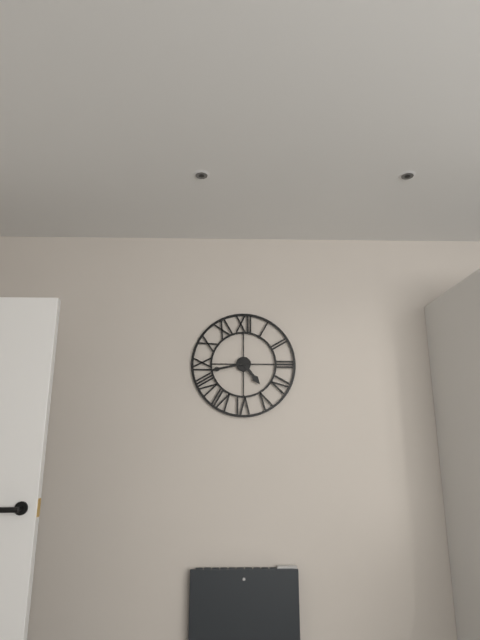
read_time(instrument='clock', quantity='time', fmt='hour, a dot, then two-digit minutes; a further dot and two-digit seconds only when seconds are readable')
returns 4.43
